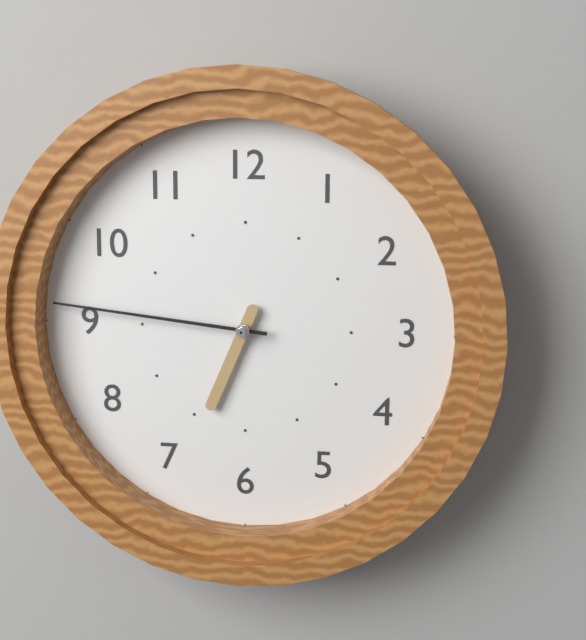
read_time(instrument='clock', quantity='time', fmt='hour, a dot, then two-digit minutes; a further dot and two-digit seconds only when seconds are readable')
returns 6.46
